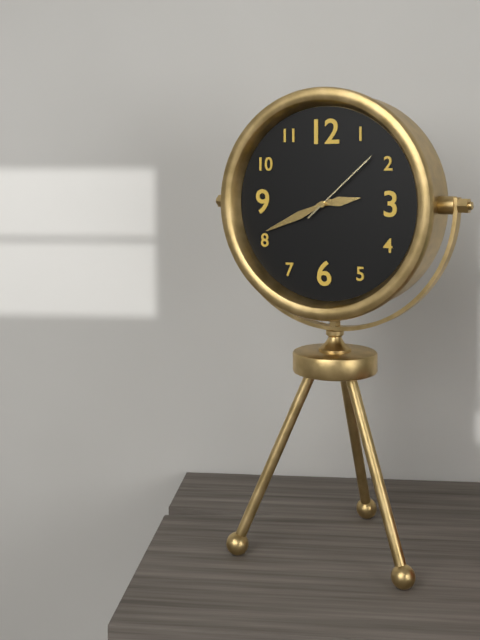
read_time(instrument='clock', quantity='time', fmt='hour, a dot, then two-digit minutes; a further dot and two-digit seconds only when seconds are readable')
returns 2.41.08
